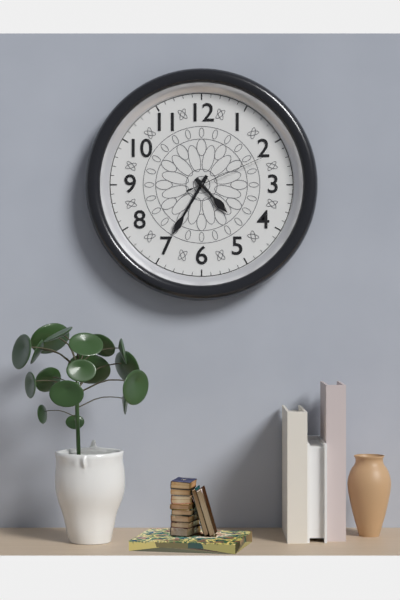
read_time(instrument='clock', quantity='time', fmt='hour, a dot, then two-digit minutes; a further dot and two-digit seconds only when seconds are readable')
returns 4.35.11
